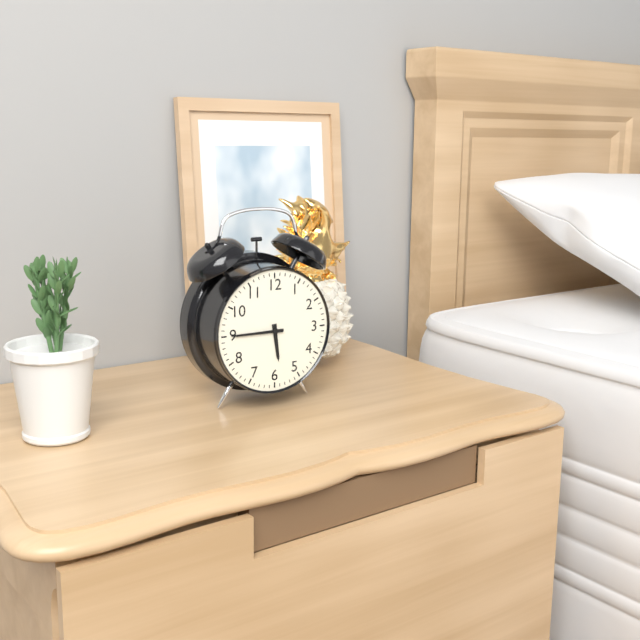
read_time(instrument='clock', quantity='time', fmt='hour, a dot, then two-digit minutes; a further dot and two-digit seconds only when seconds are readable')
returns 5.45
